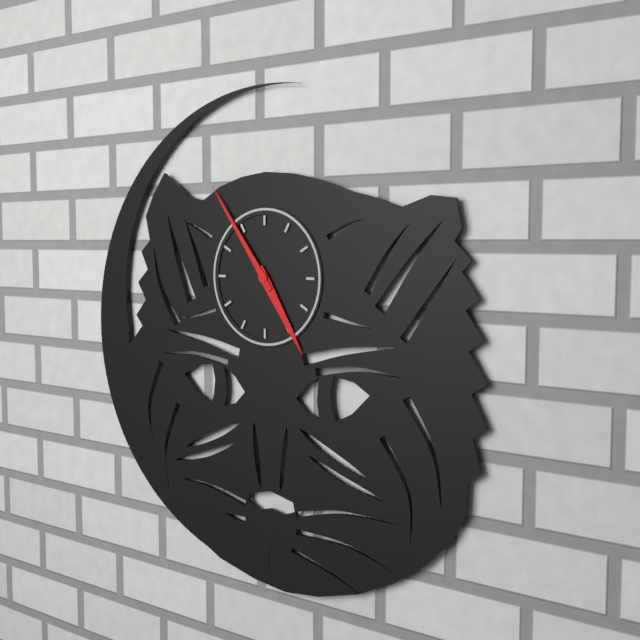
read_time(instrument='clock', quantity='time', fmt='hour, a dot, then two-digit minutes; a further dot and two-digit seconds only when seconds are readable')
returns 4.54
